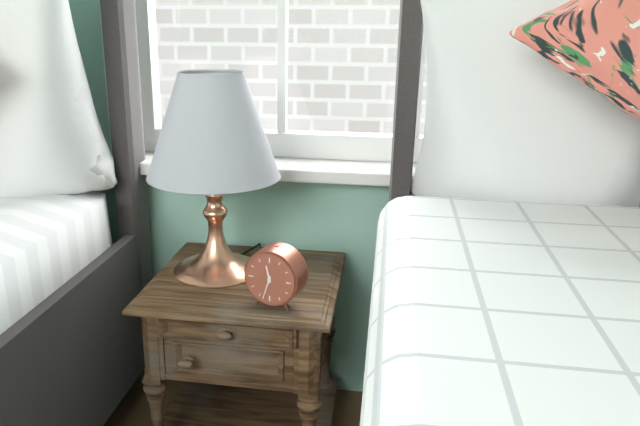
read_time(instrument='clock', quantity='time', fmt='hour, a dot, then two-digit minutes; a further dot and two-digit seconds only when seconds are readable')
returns 11.33
